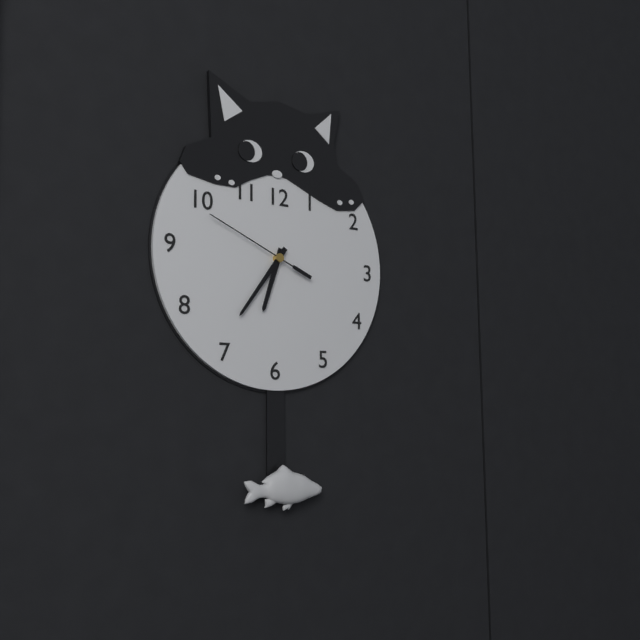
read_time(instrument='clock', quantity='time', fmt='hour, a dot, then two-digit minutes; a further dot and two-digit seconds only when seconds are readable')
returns 6.36.49
